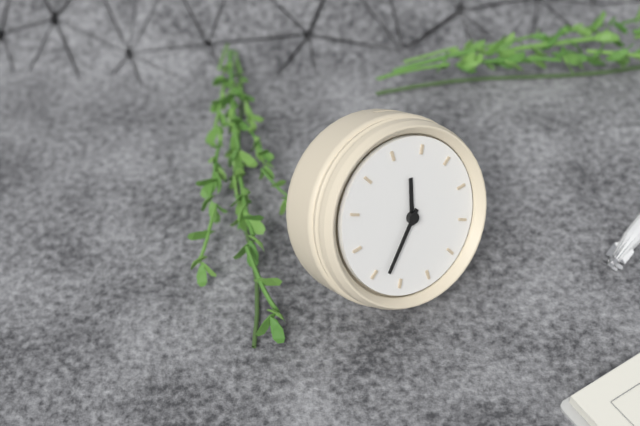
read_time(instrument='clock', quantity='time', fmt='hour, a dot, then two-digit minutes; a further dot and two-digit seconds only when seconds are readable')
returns 11.33
